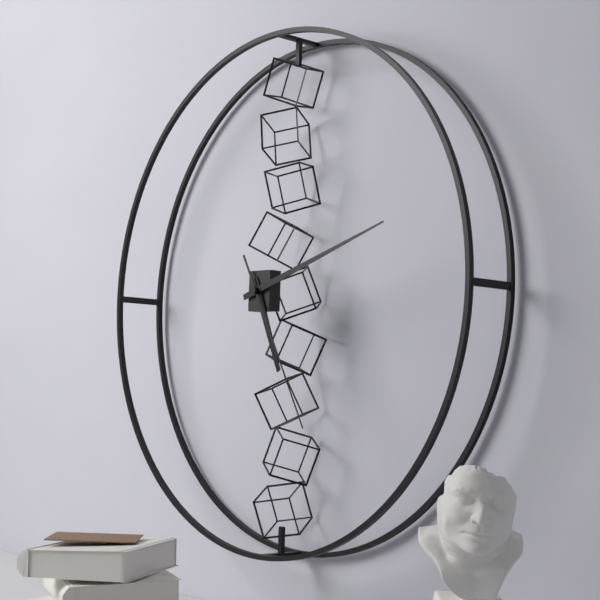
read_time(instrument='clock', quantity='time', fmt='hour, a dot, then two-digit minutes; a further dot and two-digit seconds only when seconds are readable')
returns 5.12.25
